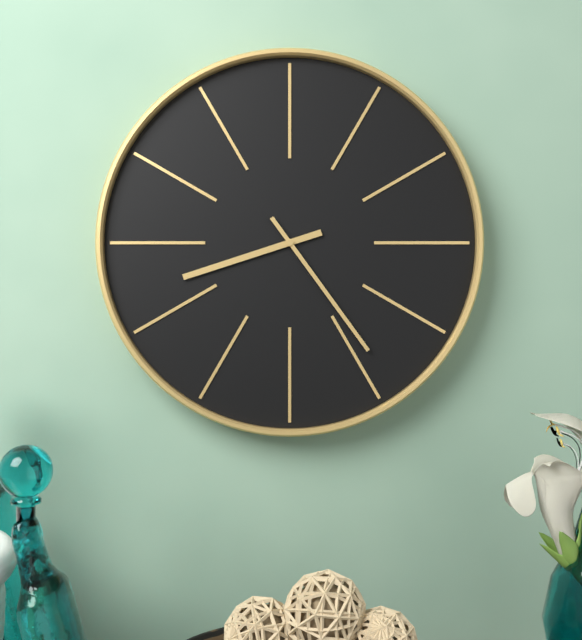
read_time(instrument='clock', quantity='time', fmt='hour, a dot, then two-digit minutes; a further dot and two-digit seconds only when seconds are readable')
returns 8.24
